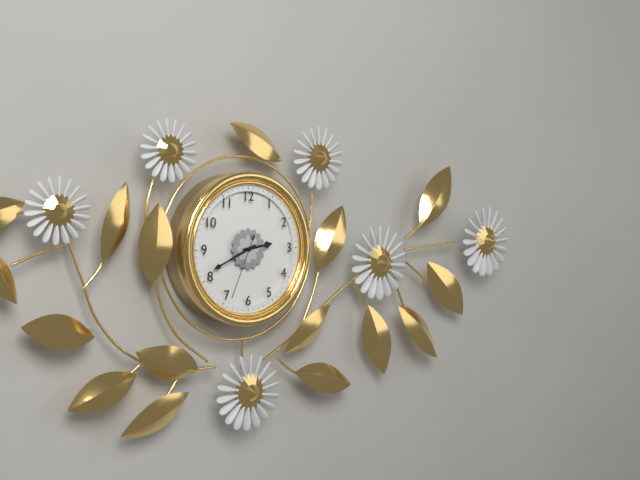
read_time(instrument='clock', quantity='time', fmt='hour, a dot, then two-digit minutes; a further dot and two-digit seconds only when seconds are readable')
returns 2.41.34
